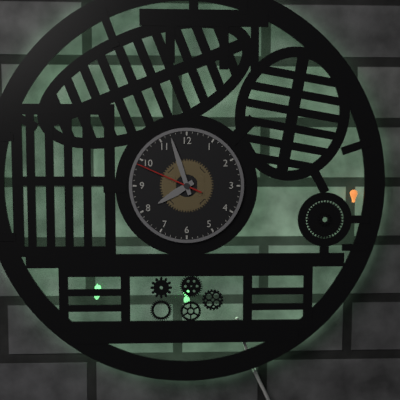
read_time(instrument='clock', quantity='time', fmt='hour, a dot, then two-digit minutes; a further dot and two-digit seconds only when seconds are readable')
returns 7.57.49
